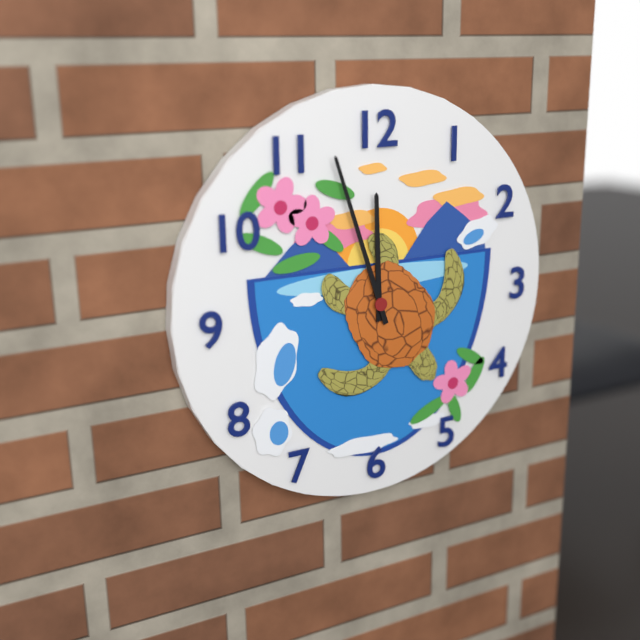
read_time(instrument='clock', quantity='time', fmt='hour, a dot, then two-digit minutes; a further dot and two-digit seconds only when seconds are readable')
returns 11.57
